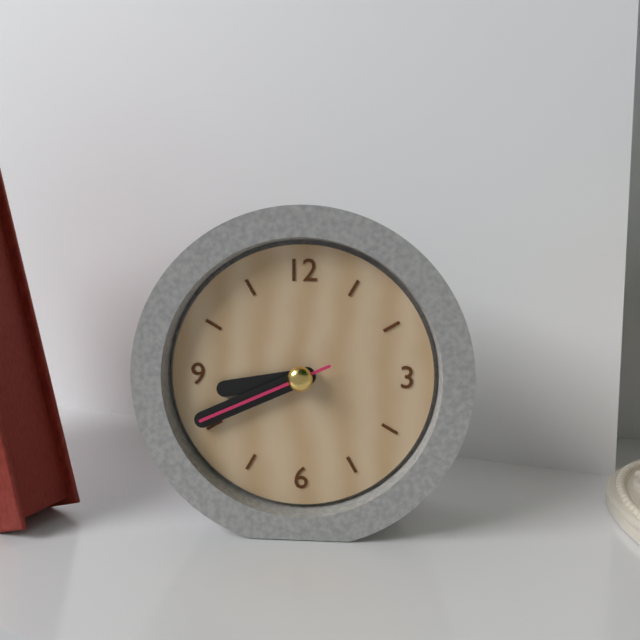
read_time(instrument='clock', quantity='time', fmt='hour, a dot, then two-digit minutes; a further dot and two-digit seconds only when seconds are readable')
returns 8.41.41
